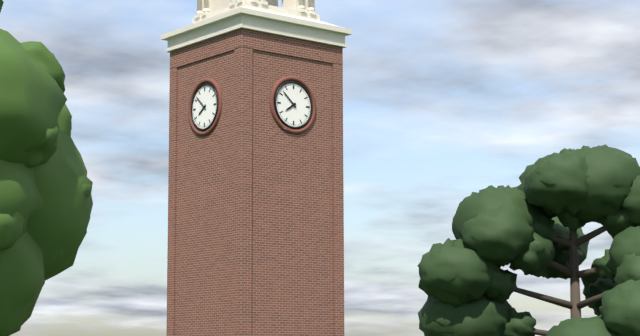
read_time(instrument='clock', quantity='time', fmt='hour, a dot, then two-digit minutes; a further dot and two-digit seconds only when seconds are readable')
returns 7.52
